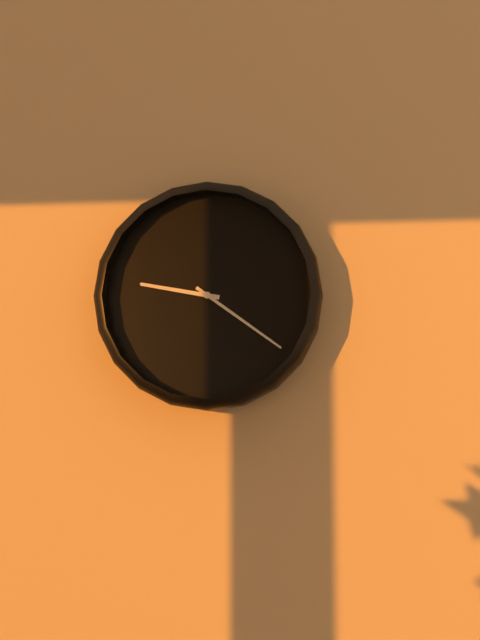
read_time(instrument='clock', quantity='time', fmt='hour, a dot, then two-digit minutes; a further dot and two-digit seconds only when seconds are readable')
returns 9.21
